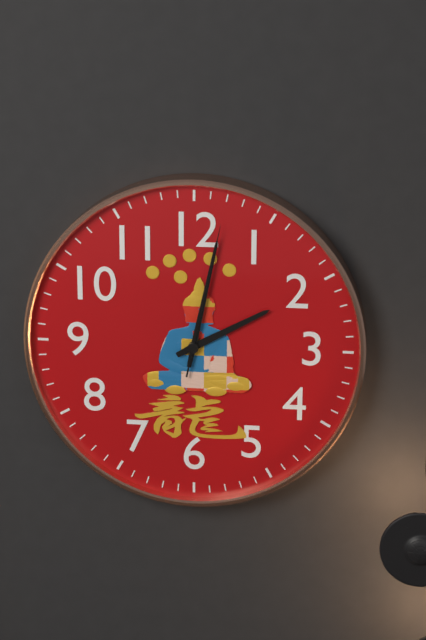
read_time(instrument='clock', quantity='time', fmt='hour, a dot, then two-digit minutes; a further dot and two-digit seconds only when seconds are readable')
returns 2.02.02
